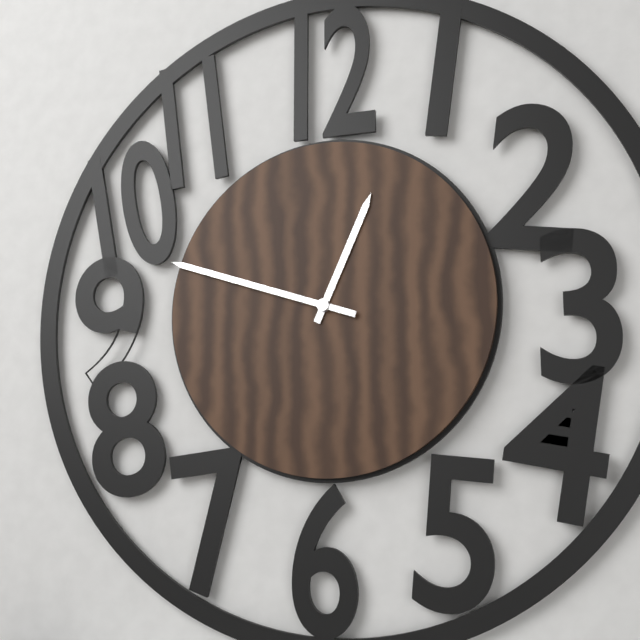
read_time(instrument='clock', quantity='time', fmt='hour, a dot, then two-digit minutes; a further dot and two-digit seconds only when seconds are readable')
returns 12.48
